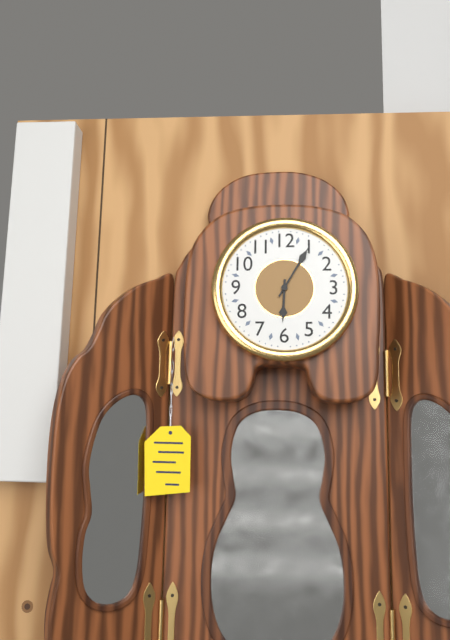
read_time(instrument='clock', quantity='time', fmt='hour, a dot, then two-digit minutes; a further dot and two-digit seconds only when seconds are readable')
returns 6.05
